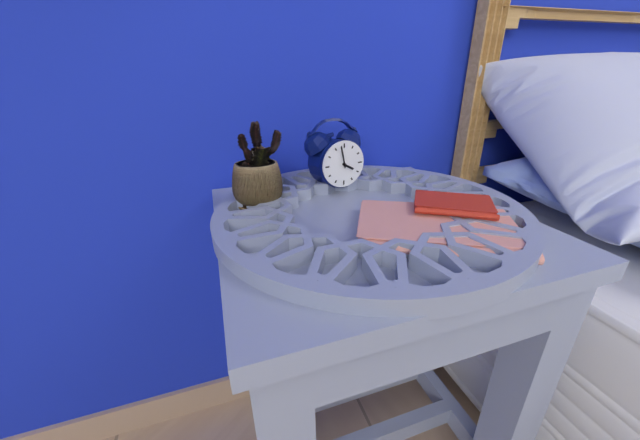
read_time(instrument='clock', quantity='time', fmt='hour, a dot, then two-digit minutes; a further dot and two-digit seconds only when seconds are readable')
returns 3.58
